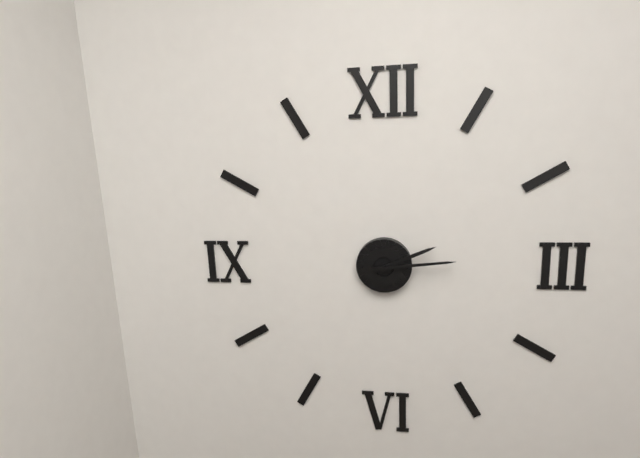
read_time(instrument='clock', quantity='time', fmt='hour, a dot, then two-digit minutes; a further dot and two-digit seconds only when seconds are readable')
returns 2.14
